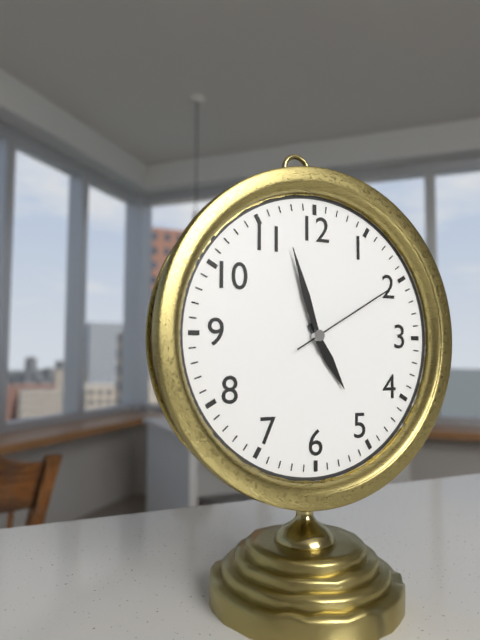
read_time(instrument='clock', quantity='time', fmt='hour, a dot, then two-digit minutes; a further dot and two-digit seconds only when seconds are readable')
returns 4.57.10
